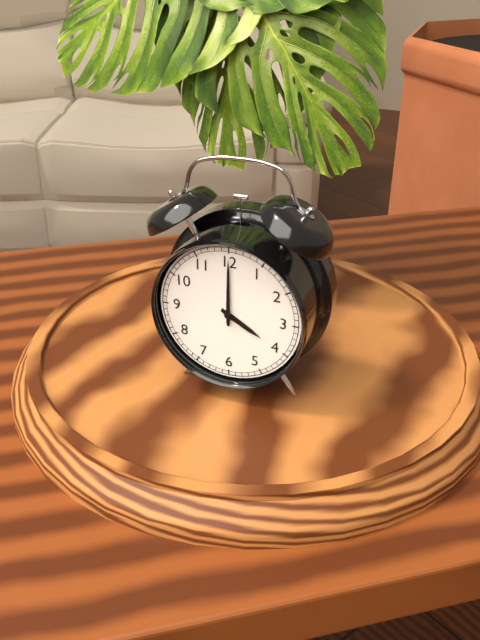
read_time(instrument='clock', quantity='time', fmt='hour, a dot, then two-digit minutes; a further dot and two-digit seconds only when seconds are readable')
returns 4.00
